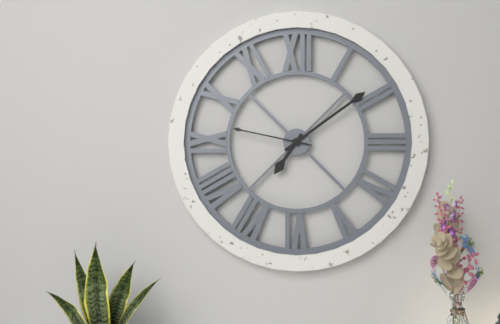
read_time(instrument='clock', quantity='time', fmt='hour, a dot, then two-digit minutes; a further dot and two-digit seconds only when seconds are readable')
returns 7.09.47
